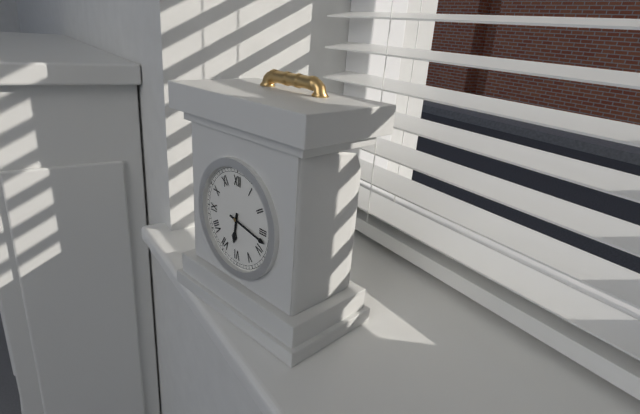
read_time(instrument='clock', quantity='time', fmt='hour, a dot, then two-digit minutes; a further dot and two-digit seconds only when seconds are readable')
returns 6.17
